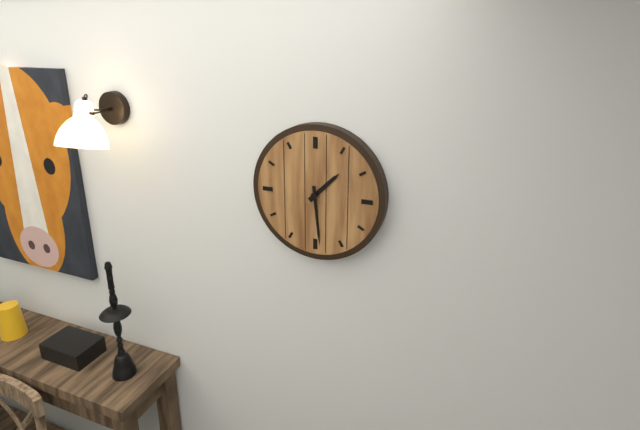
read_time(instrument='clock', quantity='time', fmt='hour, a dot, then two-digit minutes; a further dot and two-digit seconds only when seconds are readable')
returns 1.29
